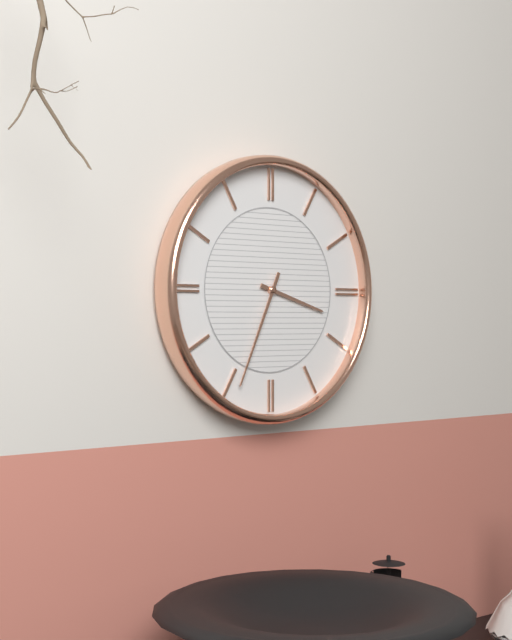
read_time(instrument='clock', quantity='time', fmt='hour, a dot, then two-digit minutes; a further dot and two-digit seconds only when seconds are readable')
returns 3.34
